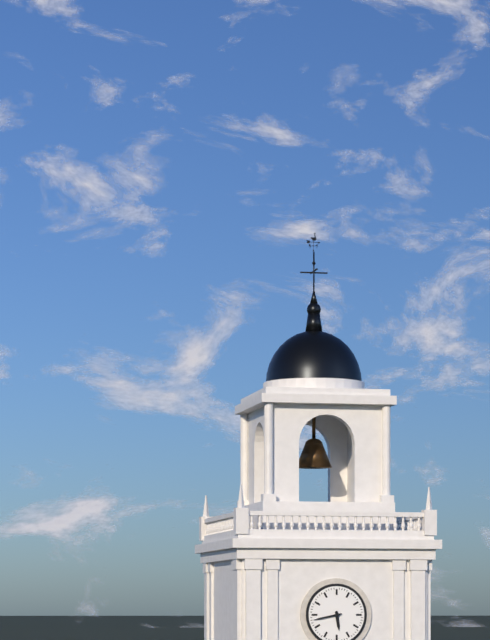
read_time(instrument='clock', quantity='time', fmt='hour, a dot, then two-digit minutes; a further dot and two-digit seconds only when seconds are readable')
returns 5.43
